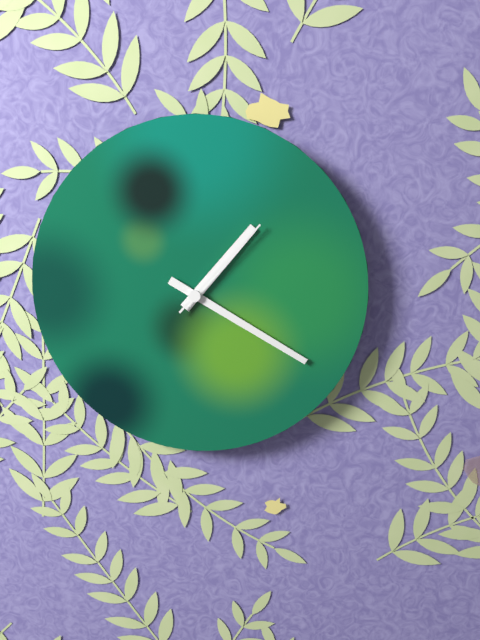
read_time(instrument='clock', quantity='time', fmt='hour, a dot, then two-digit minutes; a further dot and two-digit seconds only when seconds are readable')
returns 1.20.07
